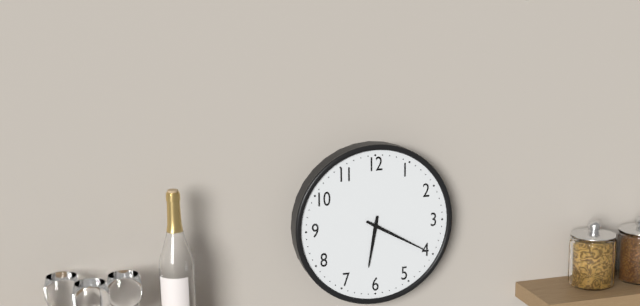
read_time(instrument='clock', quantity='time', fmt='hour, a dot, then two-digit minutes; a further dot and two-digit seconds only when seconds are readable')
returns 6.20
